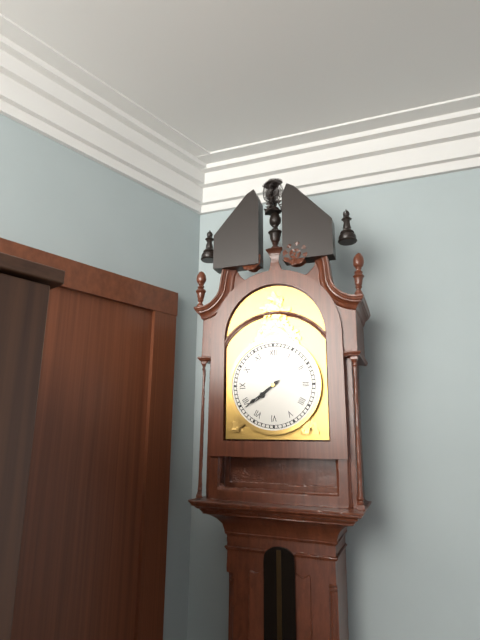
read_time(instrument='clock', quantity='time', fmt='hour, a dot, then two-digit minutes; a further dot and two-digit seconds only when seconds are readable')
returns 7.39
